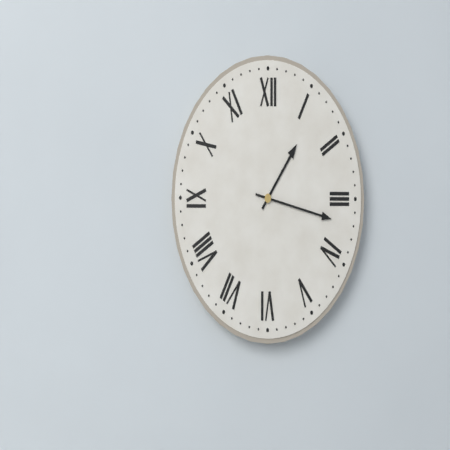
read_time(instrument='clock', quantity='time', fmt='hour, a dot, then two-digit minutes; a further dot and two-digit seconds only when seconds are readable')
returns 1.17
